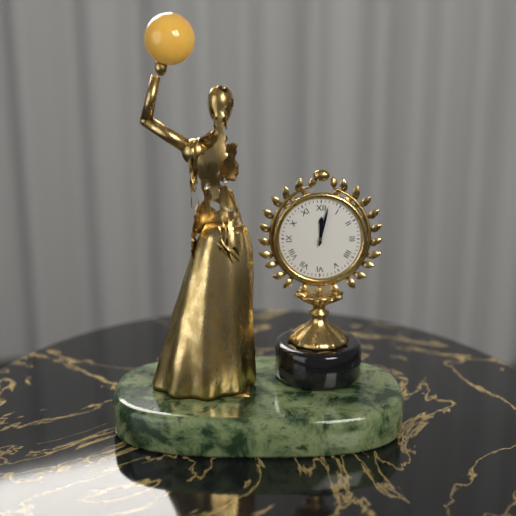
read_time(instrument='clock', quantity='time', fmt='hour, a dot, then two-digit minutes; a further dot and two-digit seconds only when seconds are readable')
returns 12.02
